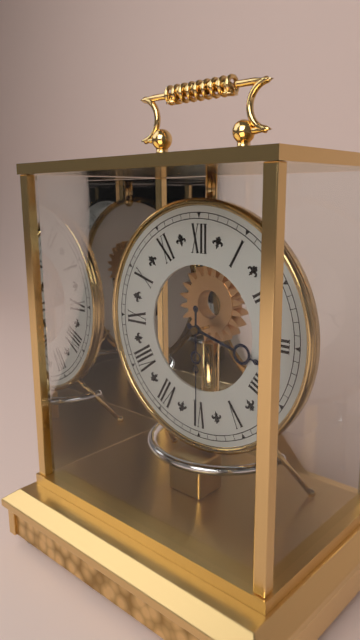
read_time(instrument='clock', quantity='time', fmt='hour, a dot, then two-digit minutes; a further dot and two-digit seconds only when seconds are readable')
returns 3.30
